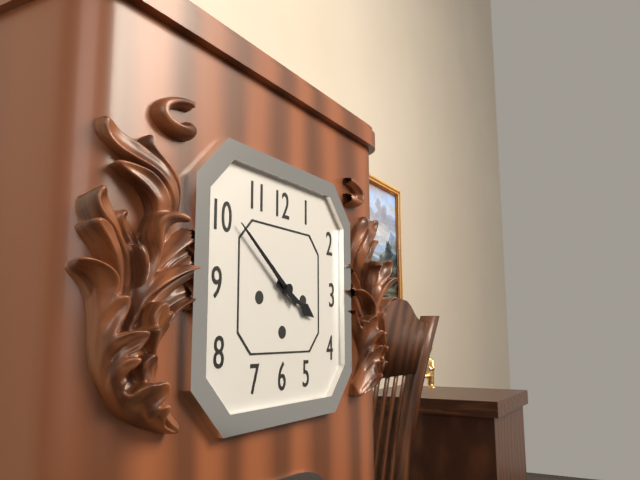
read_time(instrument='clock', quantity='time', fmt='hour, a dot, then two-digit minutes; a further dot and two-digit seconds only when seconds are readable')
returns 3.51
